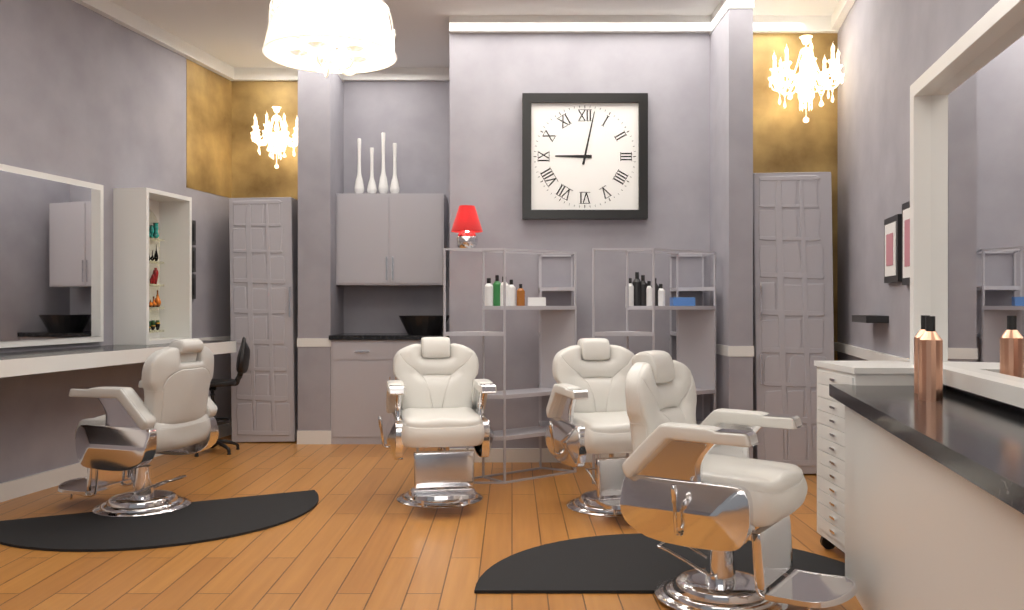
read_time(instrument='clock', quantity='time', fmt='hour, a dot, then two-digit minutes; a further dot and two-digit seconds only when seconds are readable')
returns 9.02
